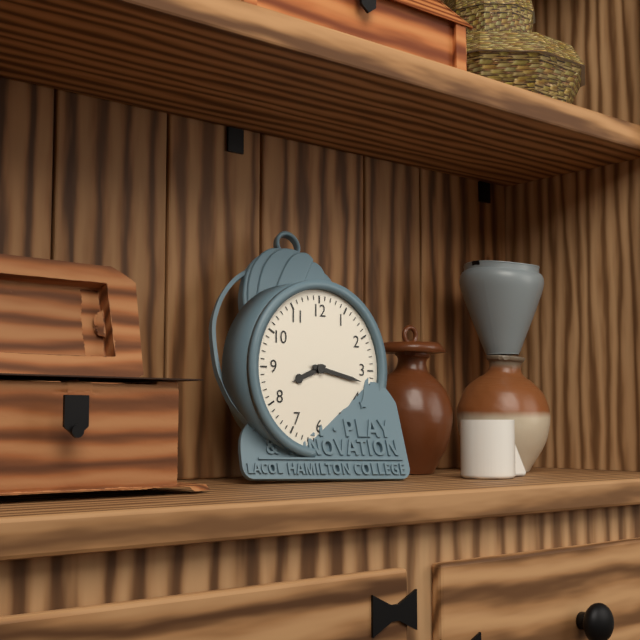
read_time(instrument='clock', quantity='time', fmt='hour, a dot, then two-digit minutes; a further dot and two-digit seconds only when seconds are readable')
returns 8.17
